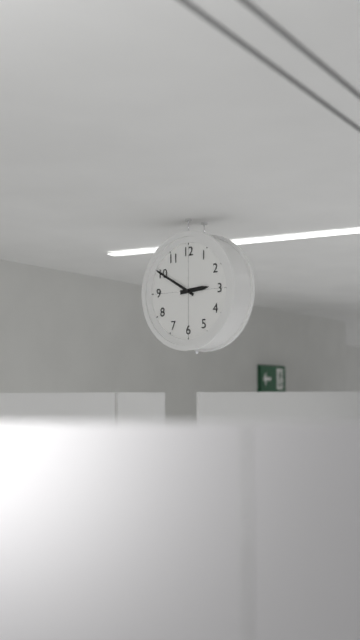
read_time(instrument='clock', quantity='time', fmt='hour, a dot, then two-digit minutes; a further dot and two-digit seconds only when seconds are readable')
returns 2.50
